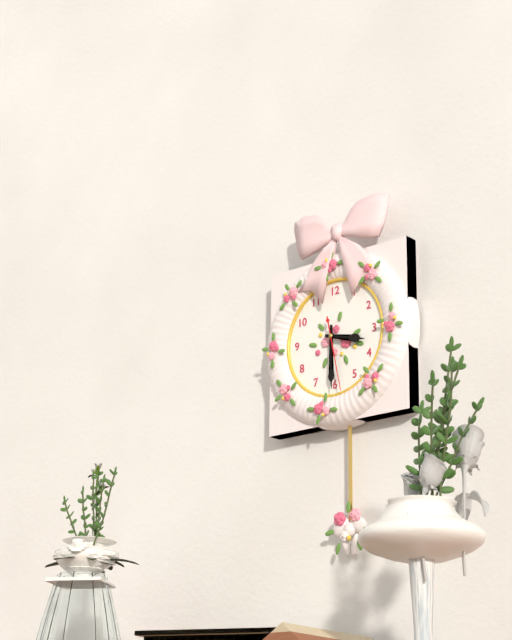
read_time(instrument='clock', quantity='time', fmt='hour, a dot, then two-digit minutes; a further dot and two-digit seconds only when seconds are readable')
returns 3.30.28
